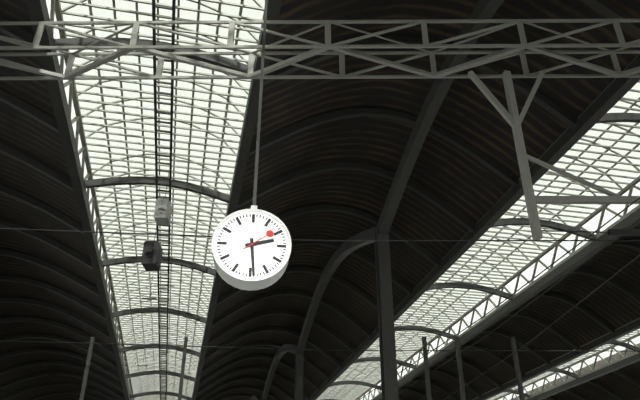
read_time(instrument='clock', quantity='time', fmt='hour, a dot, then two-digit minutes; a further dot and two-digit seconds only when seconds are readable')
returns 2.29
